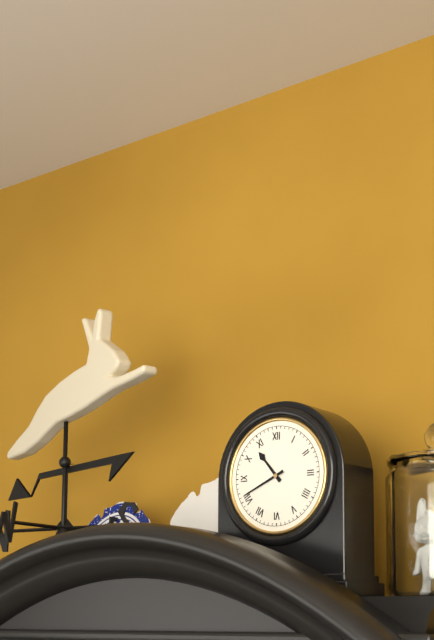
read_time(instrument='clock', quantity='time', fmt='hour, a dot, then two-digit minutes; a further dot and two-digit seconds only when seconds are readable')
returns 10.41
